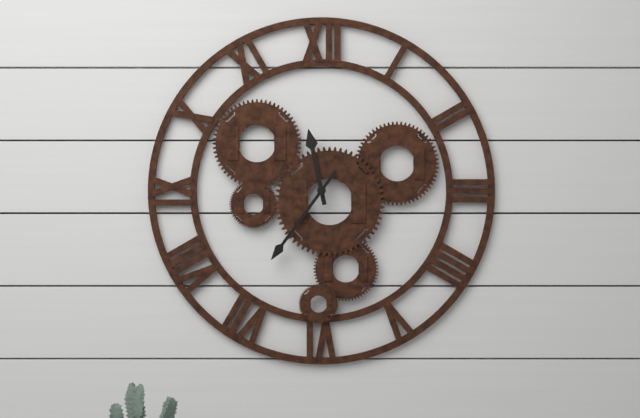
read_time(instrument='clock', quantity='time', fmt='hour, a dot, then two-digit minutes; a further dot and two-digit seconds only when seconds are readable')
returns 11.36
